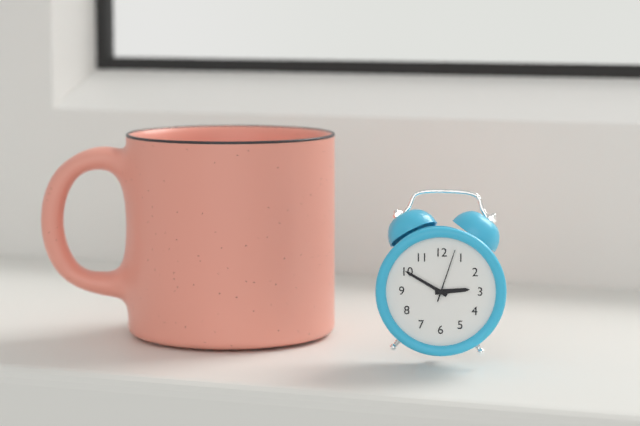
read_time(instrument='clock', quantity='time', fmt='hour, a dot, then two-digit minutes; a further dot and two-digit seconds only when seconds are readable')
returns 2.50.03
